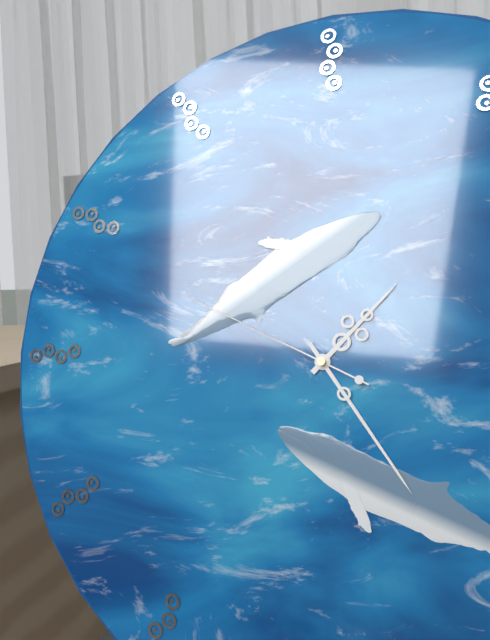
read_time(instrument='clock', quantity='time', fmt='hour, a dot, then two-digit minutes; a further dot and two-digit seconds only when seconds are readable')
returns 1.24.49
